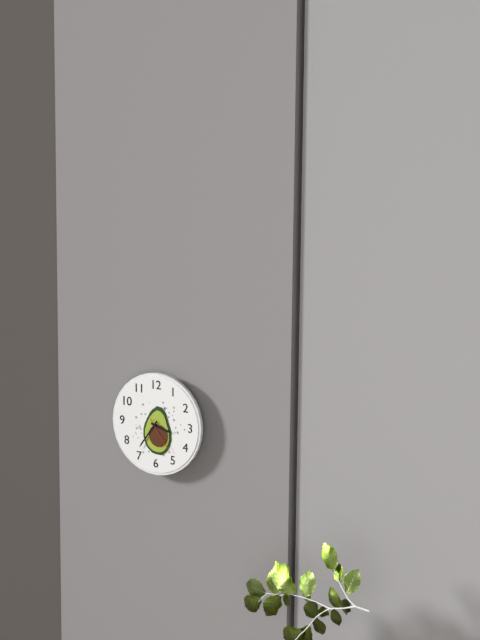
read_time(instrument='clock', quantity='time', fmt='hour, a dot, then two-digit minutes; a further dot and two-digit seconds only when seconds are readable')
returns 3.36
